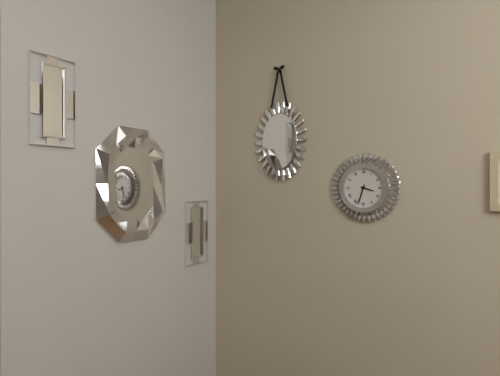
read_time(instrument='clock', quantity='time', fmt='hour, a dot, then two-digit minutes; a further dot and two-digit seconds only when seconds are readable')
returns 3.33
